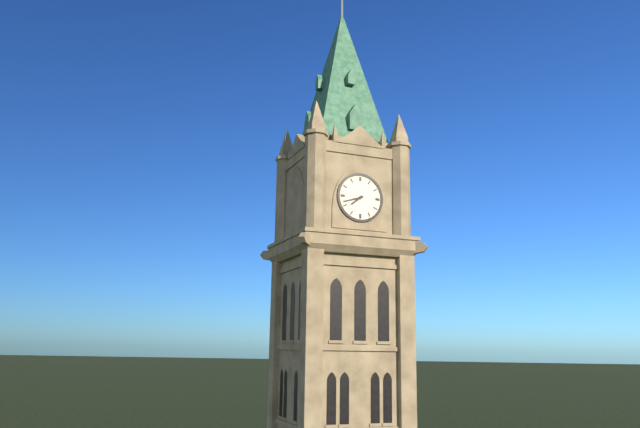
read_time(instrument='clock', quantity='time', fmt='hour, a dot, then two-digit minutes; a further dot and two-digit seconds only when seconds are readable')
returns 7.42
